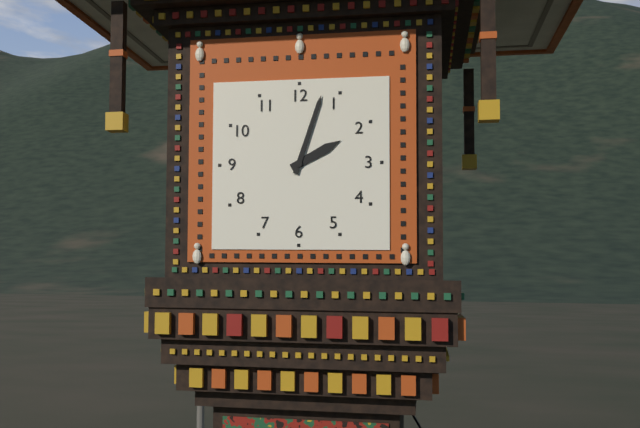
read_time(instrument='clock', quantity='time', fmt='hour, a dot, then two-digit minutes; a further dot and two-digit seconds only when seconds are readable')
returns 2.03
